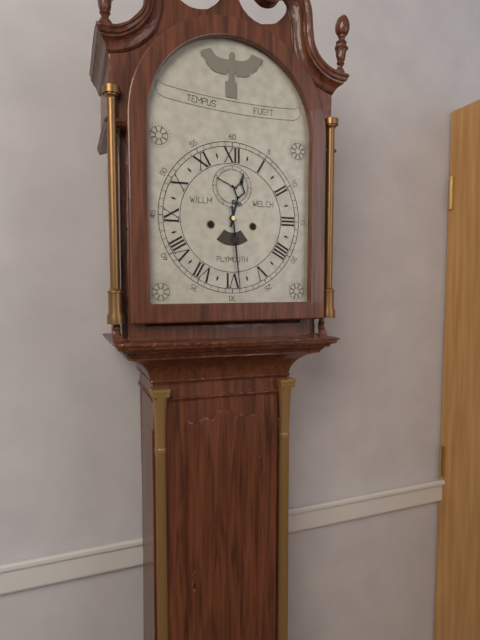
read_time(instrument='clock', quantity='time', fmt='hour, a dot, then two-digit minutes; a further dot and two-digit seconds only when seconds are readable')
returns 12.29
